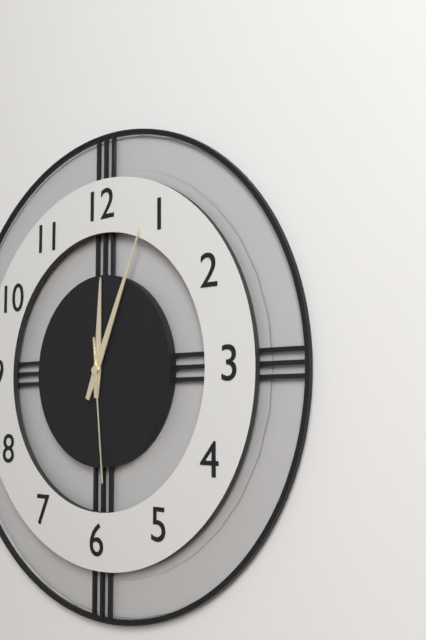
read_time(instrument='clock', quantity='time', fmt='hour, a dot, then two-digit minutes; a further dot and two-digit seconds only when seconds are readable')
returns 12.04.29
